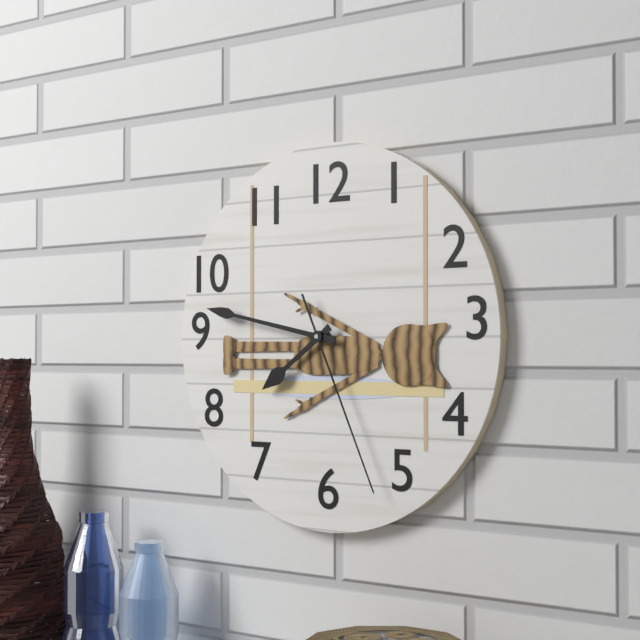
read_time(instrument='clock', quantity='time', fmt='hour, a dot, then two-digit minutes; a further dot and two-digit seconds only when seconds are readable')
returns 7.47.26
